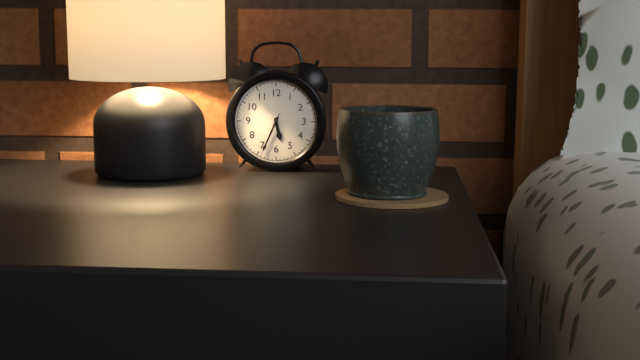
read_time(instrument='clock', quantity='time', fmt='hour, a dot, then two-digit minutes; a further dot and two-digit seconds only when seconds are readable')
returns 5.34
